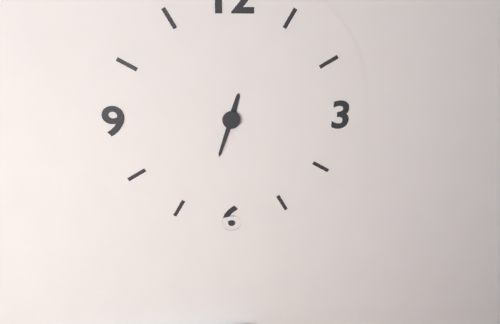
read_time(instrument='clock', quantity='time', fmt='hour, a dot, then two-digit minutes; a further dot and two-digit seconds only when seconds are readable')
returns 12.33
